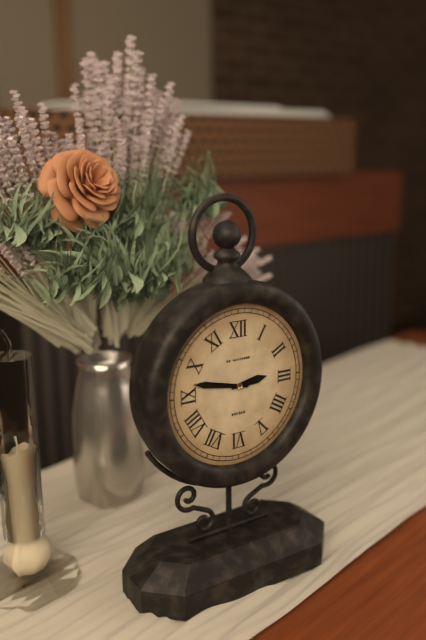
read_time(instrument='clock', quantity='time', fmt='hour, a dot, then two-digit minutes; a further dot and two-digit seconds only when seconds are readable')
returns 2.47
